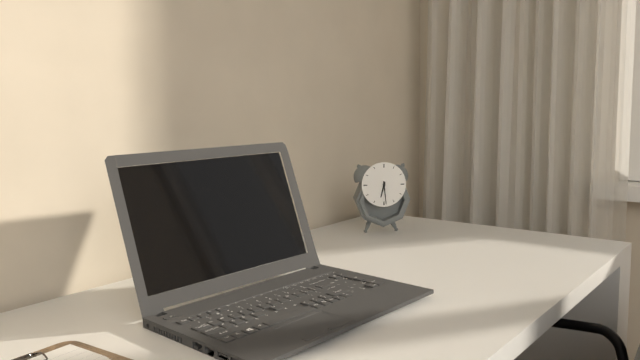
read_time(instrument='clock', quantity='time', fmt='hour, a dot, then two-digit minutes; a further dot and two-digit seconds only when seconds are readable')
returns 6.29
